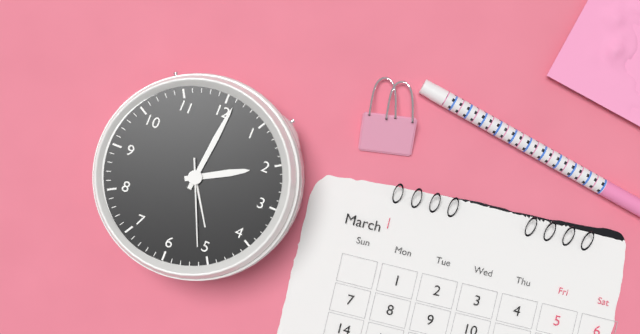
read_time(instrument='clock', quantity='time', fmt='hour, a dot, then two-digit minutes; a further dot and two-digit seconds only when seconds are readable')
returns 2.01.26
